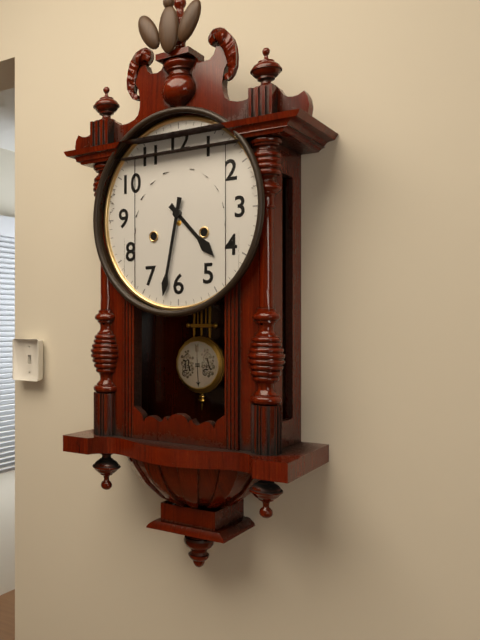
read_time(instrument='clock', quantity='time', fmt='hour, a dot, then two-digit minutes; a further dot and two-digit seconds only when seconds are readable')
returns 4.32
